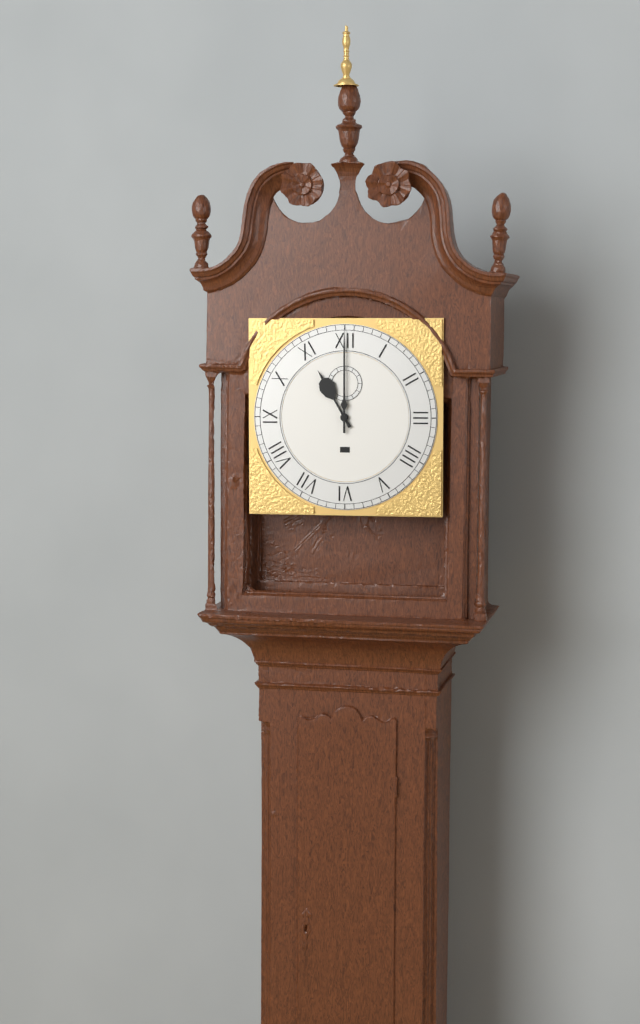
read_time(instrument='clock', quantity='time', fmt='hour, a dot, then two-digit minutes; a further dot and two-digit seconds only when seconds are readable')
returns 11.00
